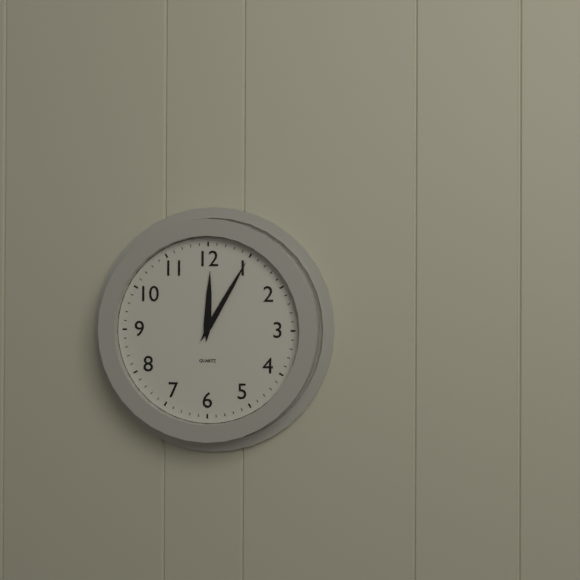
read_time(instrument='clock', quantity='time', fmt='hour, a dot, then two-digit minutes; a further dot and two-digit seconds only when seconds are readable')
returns 12.05
